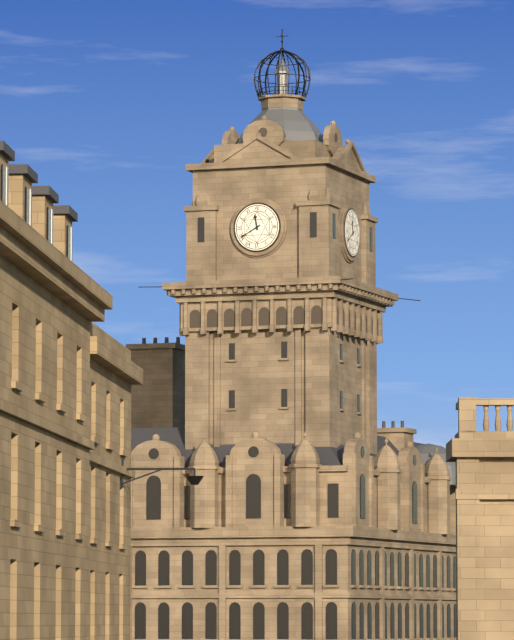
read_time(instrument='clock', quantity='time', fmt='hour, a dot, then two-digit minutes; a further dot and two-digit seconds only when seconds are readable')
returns 11.40
